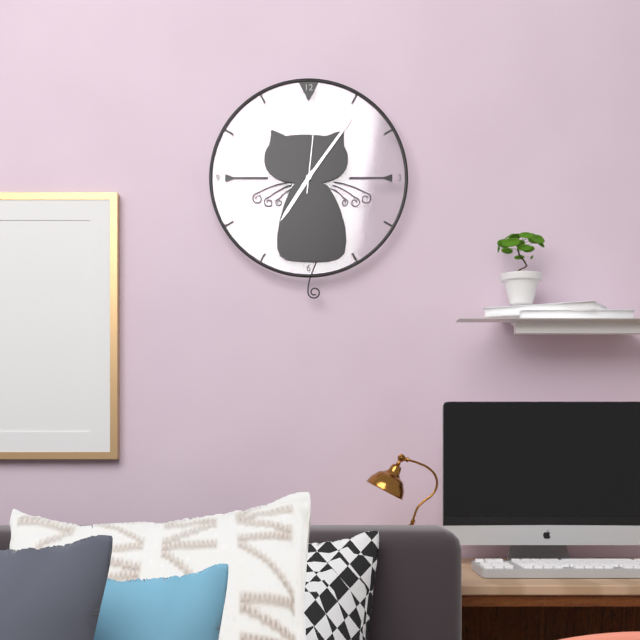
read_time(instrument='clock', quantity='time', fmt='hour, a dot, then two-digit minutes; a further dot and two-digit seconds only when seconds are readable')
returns 7.06.01
